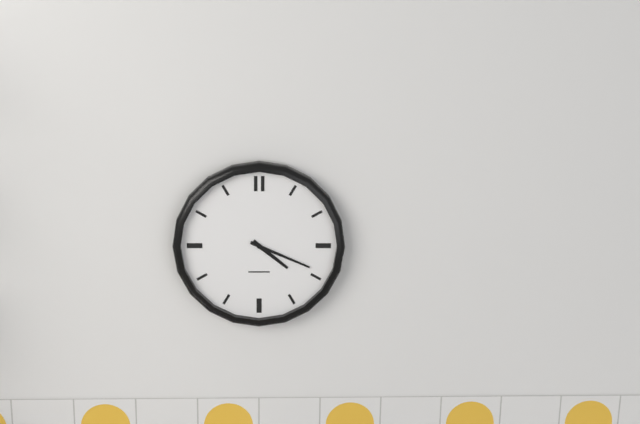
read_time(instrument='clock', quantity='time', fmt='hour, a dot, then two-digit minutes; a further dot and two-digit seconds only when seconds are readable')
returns 4.19
